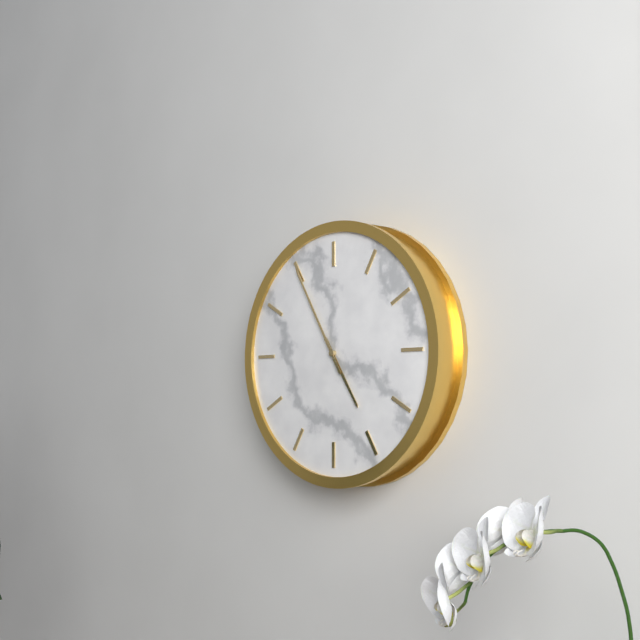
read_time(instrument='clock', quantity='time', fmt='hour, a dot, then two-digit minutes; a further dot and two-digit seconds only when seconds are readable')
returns 4.55
